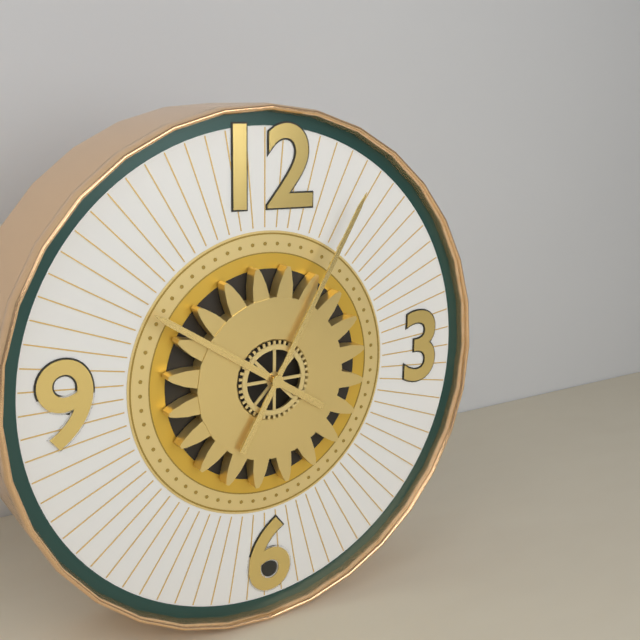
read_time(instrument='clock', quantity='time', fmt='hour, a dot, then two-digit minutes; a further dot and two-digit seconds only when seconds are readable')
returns 10.05
